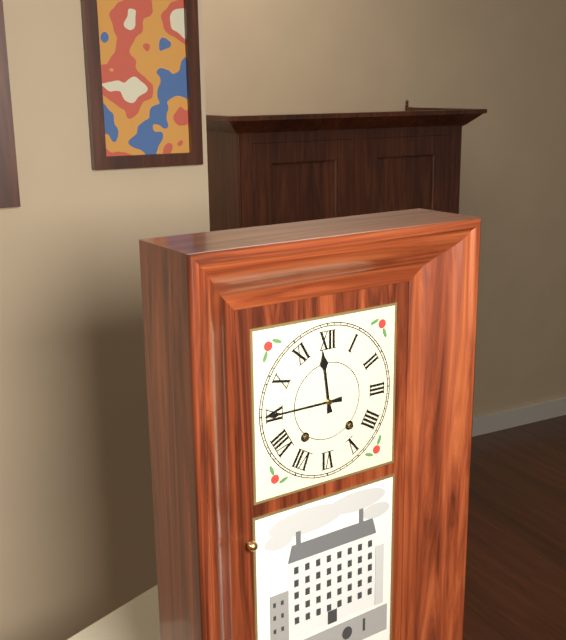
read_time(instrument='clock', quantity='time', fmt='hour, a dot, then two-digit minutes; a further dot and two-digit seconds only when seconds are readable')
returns 11.45
